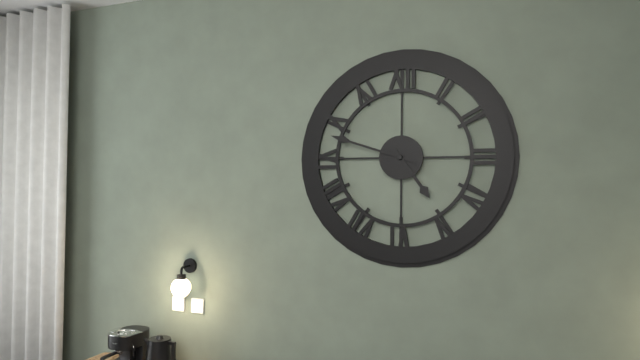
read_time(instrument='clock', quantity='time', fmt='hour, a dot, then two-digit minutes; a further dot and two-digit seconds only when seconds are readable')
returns 4.48
